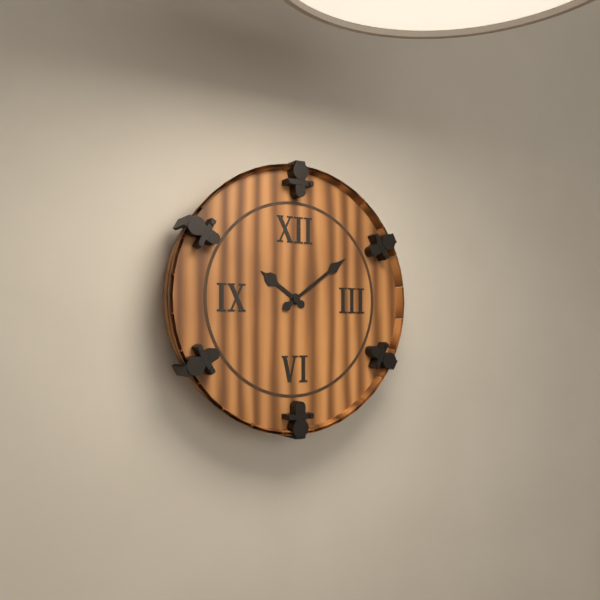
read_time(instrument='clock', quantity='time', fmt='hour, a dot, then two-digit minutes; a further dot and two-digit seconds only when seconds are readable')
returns 10.09
